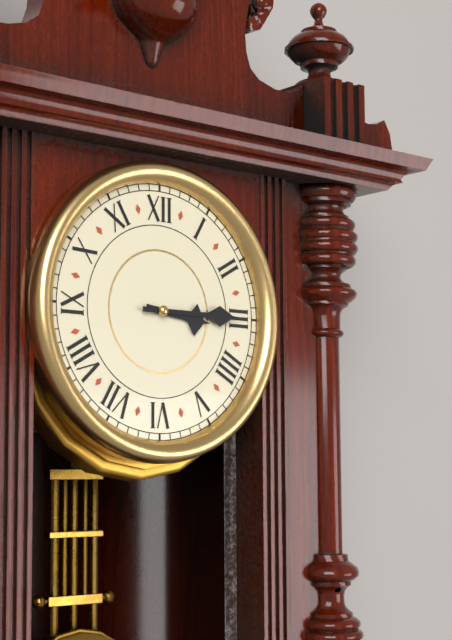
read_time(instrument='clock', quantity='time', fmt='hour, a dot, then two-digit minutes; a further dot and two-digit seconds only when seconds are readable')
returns 3.15
